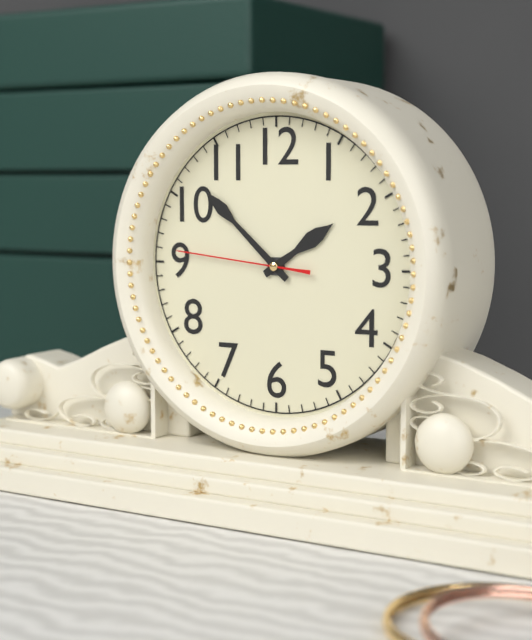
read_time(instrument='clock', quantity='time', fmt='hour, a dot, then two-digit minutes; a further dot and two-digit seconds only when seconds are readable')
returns 1.52.46
